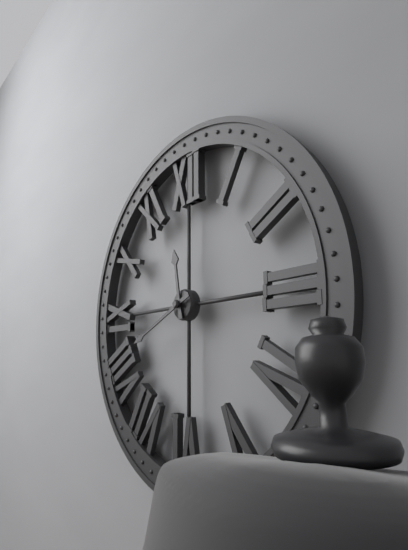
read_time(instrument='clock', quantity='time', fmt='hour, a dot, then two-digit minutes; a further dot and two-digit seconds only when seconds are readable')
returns 11.41
